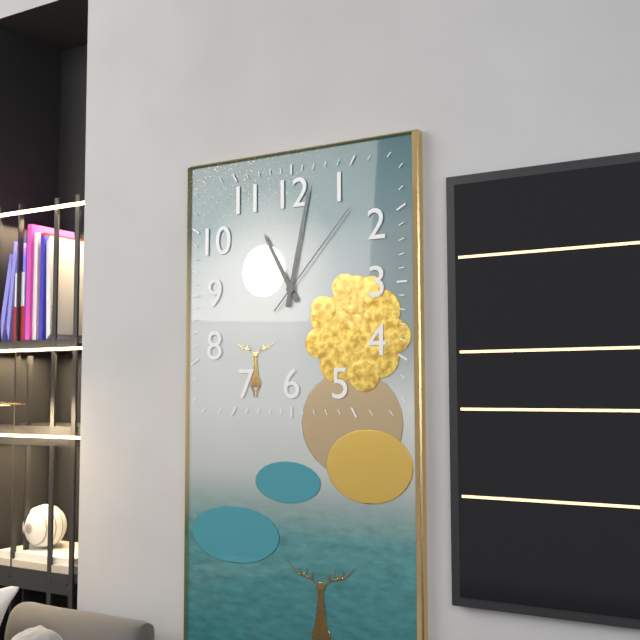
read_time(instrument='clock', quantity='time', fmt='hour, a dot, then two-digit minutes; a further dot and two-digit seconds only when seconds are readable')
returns 11.02.07
